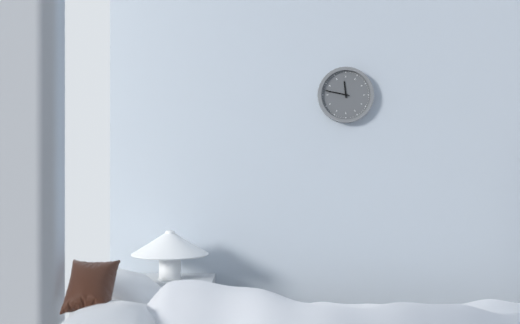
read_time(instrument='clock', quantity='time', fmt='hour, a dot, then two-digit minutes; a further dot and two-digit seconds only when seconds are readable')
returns 11.47
